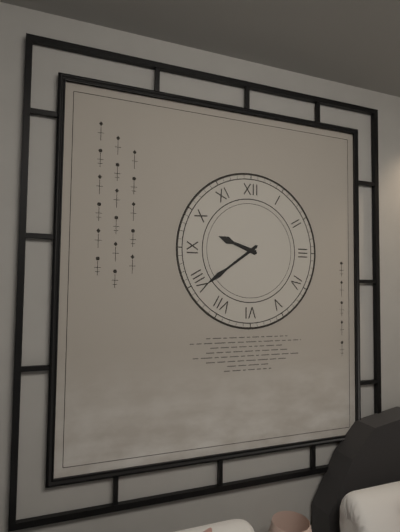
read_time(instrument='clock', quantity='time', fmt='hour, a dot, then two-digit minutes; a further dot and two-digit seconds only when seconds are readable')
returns 9.39
